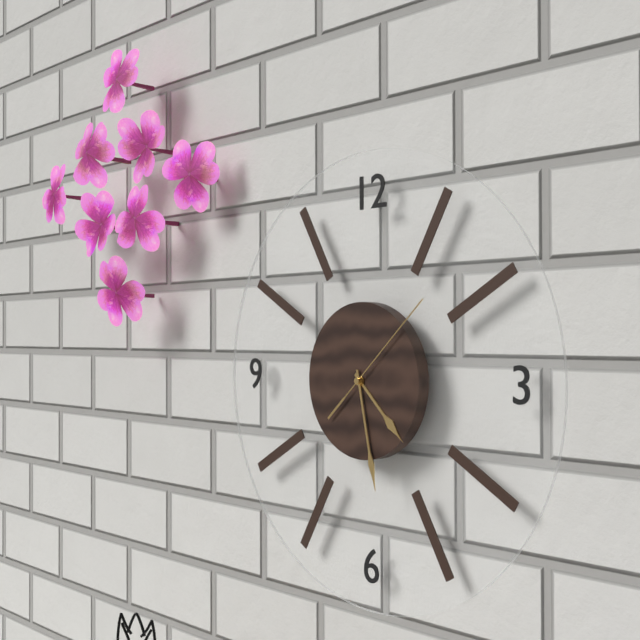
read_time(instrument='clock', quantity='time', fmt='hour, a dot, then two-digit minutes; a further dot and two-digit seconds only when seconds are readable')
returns 4.28.08
